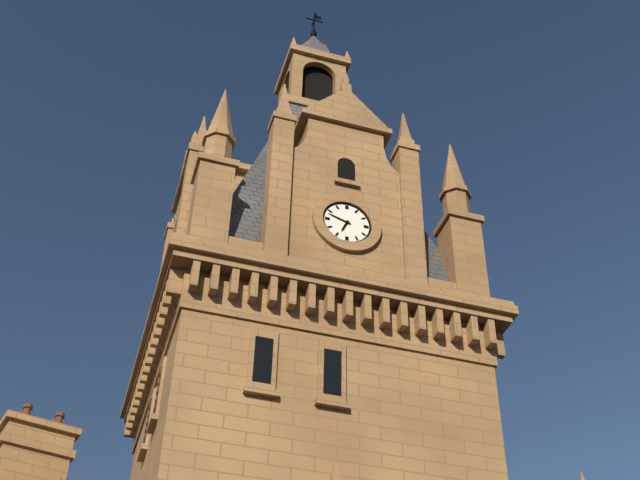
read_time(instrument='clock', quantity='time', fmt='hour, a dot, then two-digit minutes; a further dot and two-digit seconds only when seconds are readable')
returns 6.48
